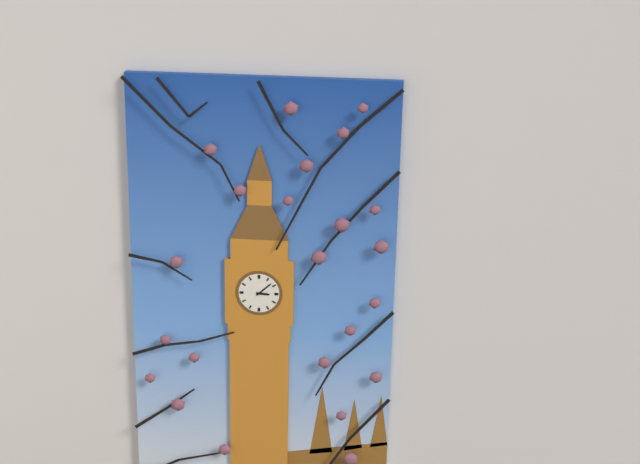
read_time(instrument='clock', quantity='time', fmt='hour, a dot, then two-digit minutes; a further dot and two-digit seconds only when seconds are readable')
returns 3.08
